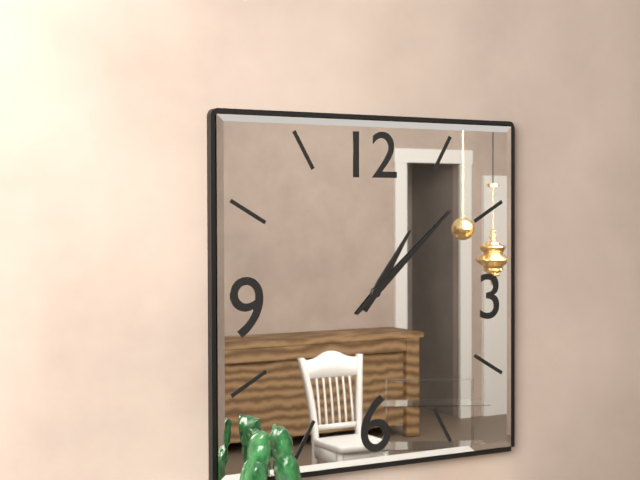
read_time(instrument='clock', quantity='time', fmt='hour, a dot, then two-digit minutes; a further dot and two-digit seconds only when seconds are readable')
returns 1.08
